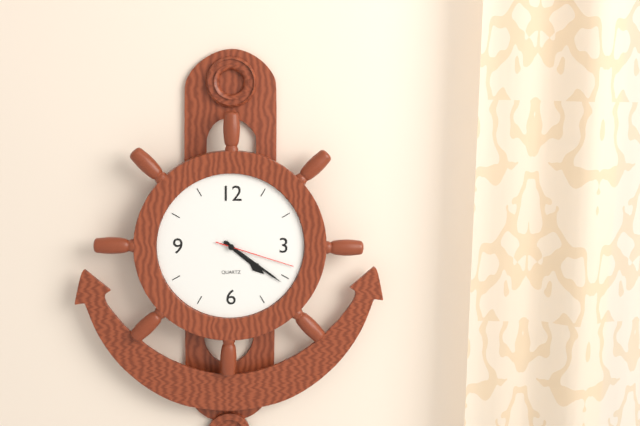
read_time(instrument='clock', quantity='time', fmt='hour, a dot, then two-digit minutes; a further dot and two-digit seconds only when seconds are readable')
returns 4.21.18
